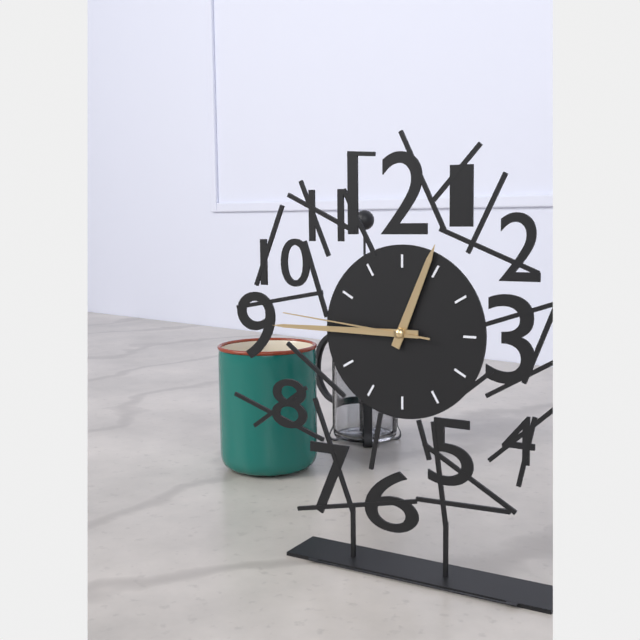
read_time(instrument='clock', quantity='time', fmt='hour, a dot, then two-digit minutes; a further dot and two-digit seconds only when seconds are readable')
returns 12.45.46
